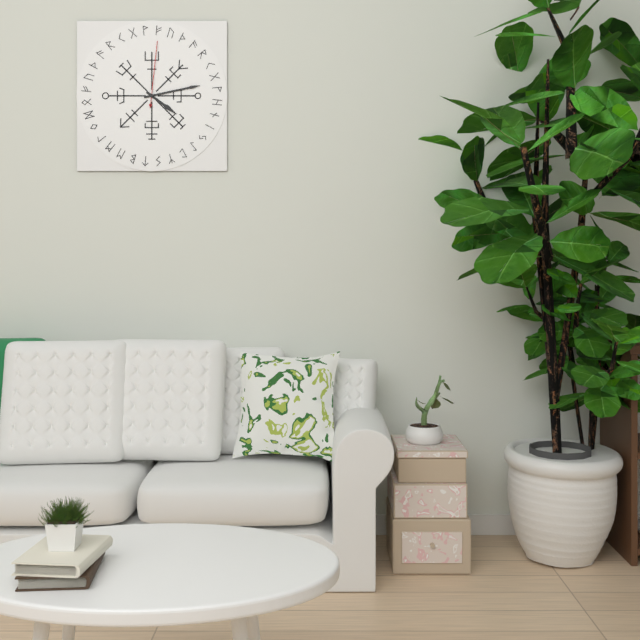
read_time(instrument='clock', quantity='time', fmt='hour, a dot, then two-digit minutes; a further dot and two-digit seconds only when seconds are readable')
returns 4.13.01
